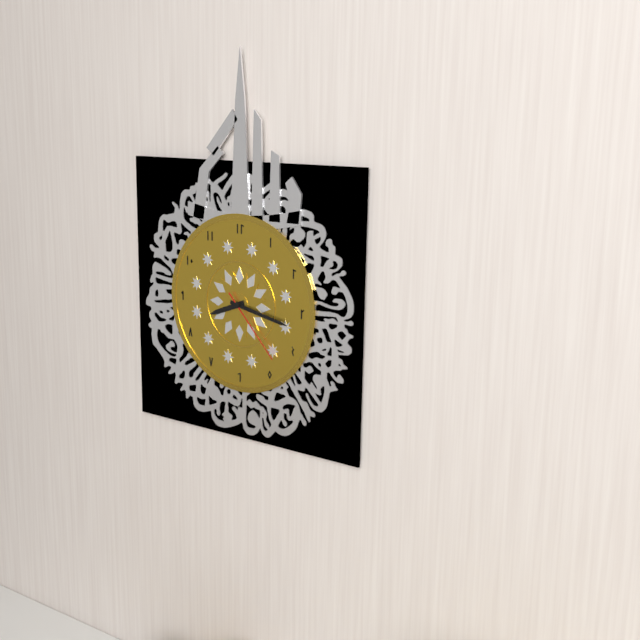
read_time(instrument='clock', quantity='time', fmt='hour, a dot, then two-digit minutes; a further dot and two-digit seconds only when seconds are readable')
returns 8.17.23
